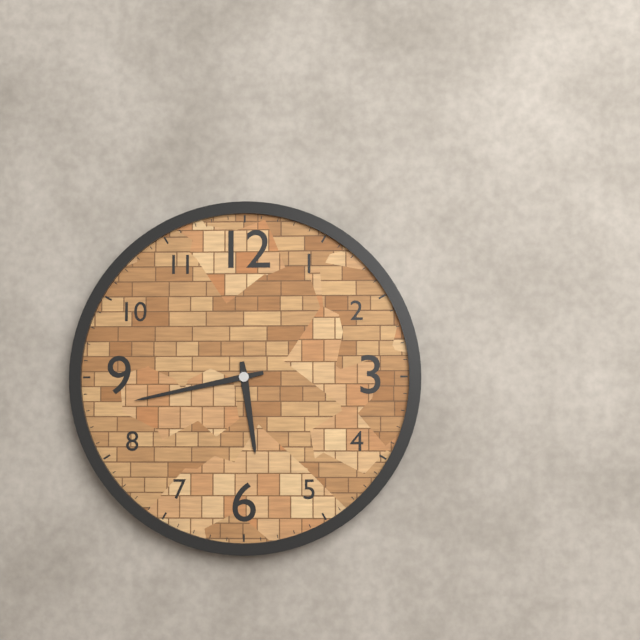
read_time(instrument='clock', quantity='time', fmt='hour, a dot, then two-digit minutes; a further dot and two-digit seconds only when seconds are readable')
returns 5.43
